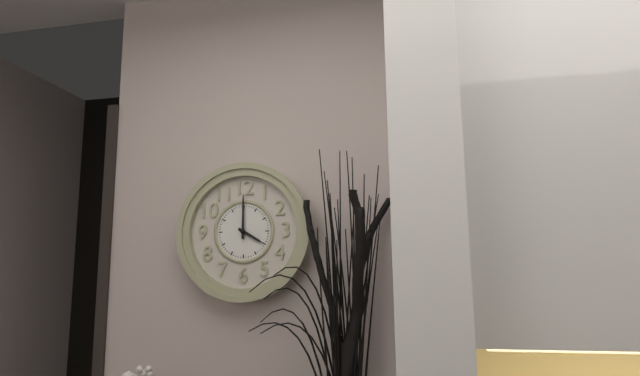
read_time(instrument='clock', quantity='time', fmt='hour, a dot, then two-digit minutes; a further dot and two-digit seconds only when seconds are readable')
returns 4.00
